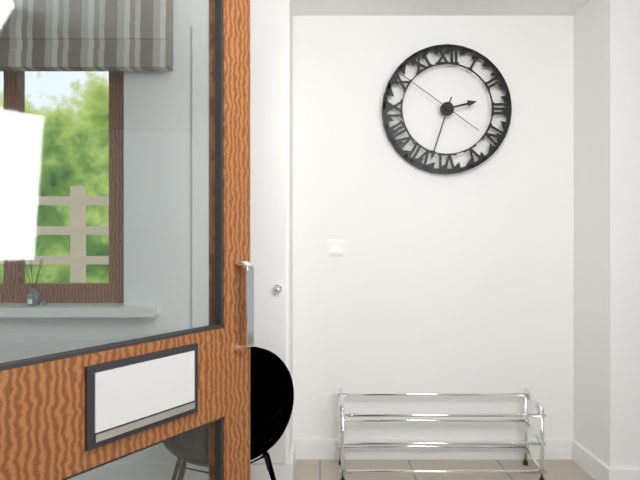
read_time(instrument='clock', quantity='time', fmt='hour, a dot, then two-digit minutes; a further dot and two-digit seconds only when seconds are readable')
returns 2.33.51
